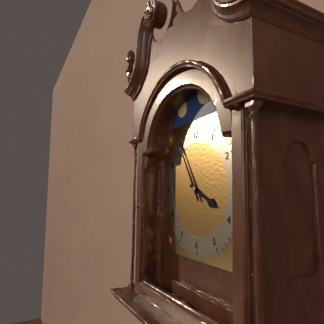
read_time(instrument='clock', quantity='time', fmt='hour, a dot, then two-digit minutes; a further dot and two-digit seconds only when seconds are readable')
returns 3.55
